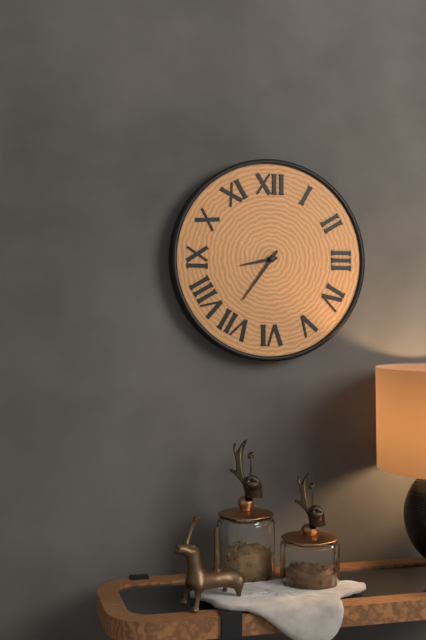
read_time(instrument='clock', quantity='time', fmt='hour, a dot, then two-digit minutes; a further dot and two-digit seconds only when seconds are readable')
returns 8.36
